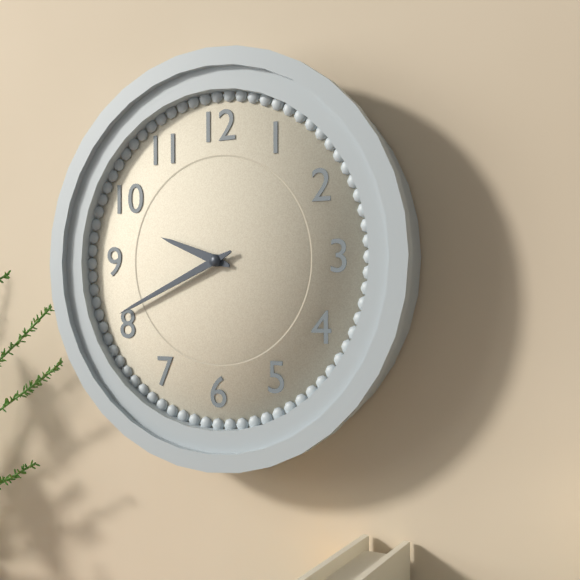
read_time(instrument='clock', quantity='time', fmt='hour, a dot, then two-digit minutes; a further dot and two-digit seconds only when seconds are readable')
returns 9.41
